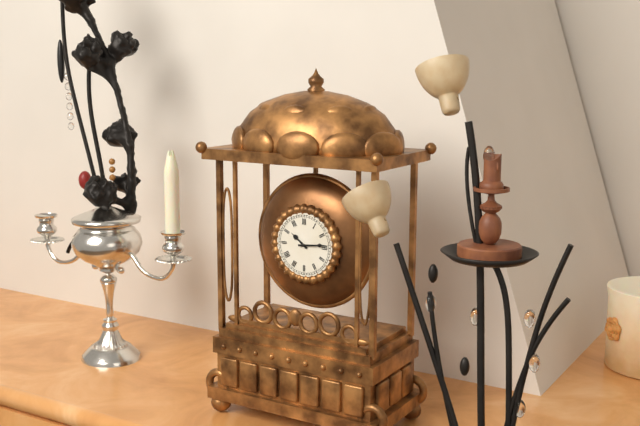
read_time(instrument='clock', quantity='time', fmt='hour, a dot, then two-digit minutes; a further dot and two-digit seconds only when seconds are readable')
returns 10.14
